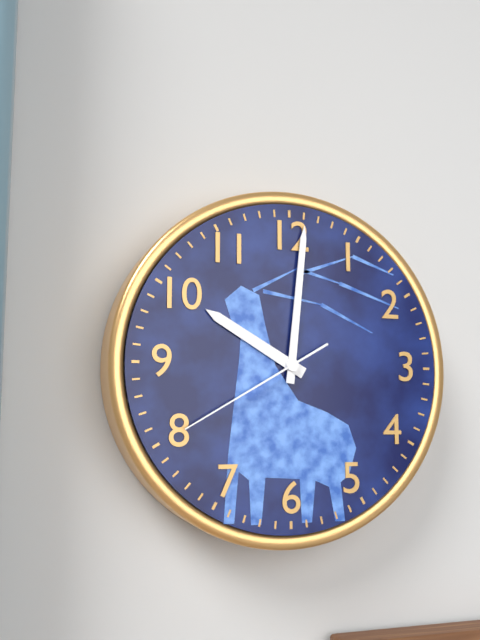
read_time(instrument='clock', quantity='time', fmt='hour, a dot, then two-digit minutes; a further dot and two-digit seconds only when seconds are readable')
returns 10.01.40
